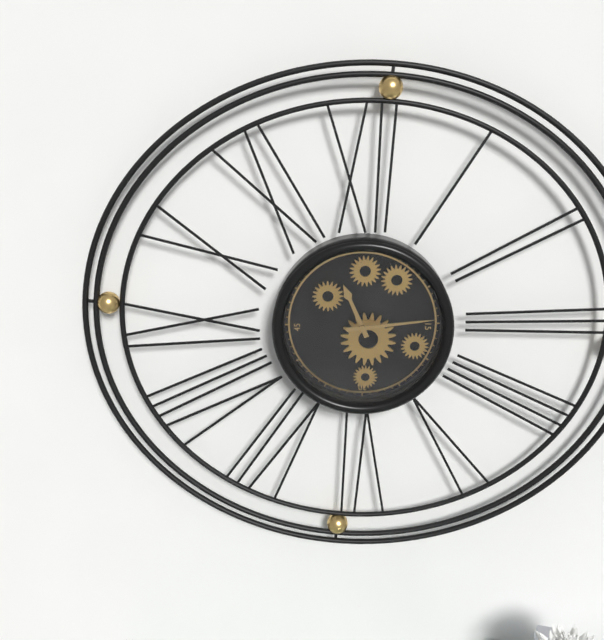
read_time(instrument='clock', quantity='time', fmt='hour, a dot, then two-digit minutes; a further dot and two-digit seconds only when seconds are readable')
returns 11.14
